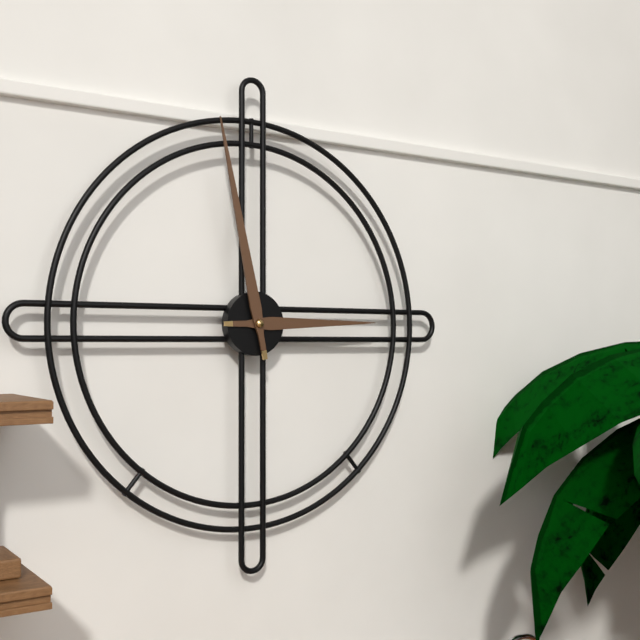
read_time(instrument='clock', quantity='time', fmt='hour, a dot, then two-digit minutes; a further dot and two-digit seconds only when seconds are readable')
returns 2.58
